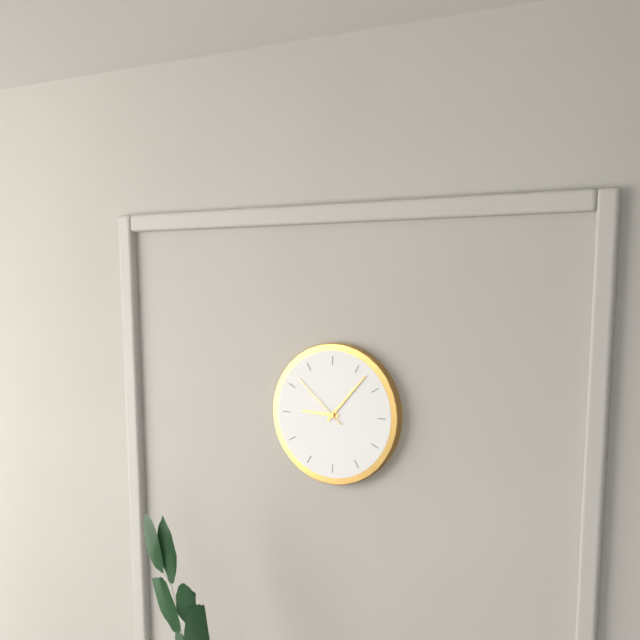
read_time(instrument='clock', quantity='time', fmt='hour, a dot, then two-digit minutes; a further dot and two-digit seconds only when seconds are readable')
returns 9.07.52
